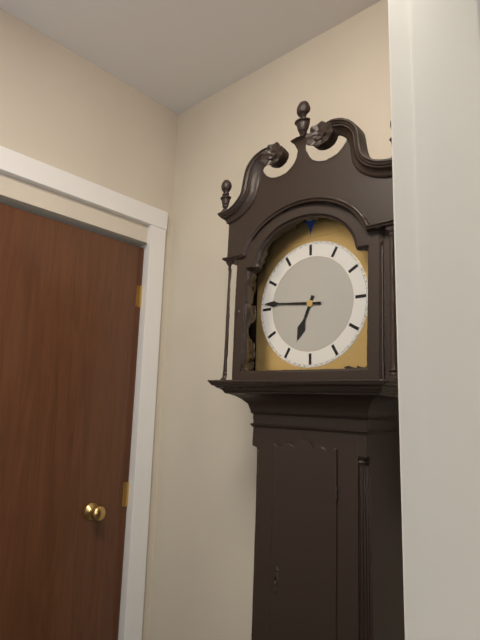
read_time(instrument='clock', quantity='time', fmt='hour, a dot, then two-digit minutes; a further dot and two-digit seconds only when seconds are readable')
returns 6.46
